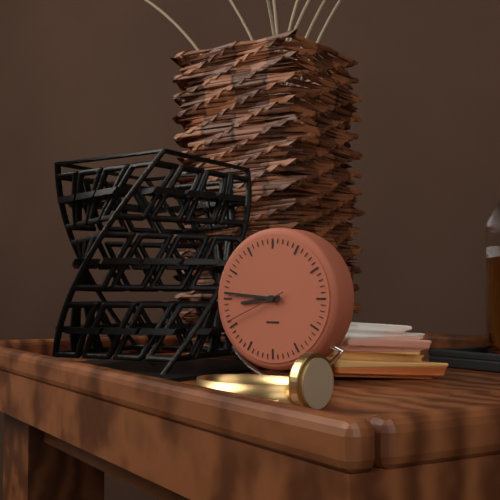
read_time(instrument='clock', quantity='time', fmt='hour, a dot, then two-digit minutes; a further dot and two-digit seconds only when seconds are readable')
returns 8.46.41
